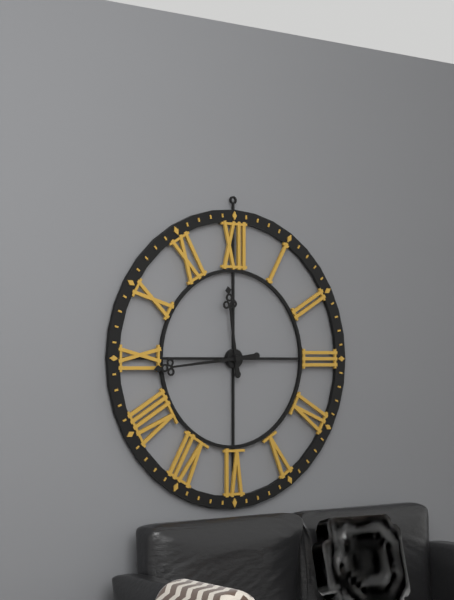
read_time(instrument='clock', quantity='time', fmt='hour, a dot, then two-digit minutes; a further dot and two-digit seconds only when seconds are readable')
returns 11.44
